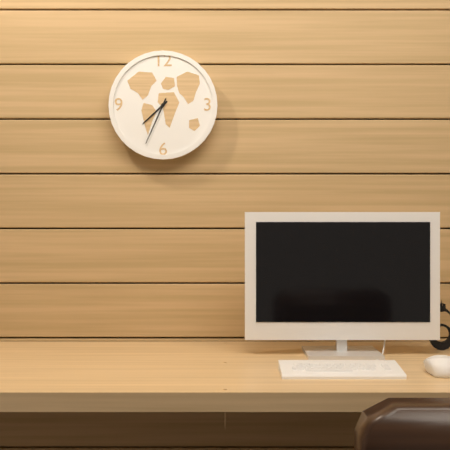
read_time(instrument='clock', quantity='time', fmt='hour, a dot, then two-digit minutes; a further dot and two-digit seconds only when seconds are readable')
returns 7.34
